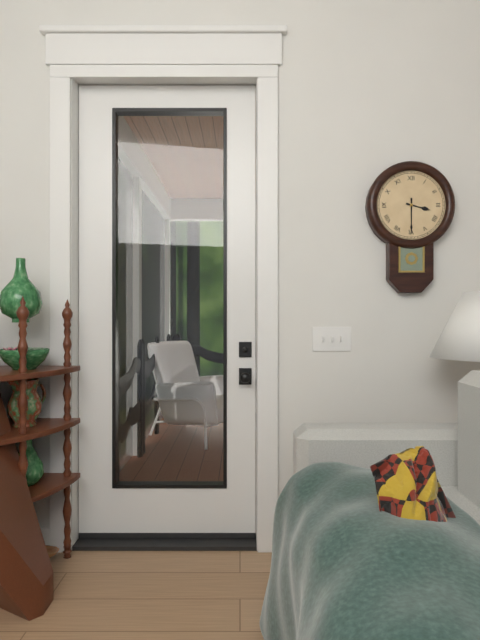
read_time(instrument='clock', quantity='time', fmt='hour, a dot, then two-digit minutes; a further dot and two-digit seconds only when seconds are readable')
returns 3.30
